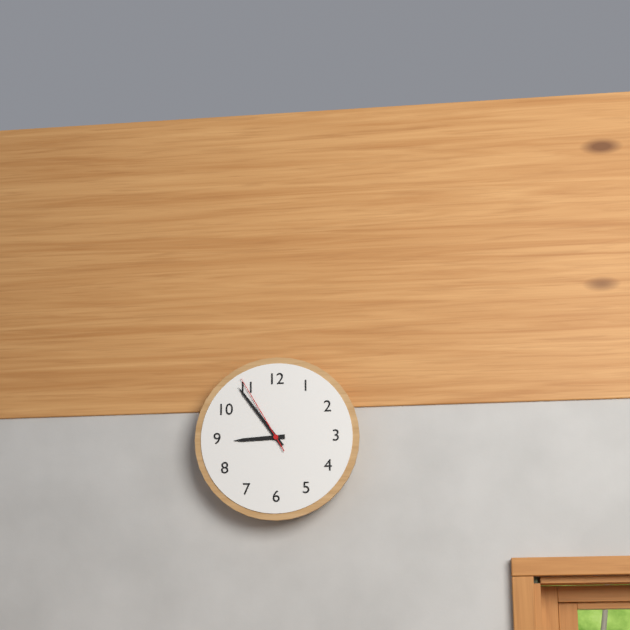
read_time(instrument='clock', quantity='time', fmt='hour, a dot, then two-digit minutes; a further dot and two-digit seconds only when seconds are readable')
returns 8.54.55
